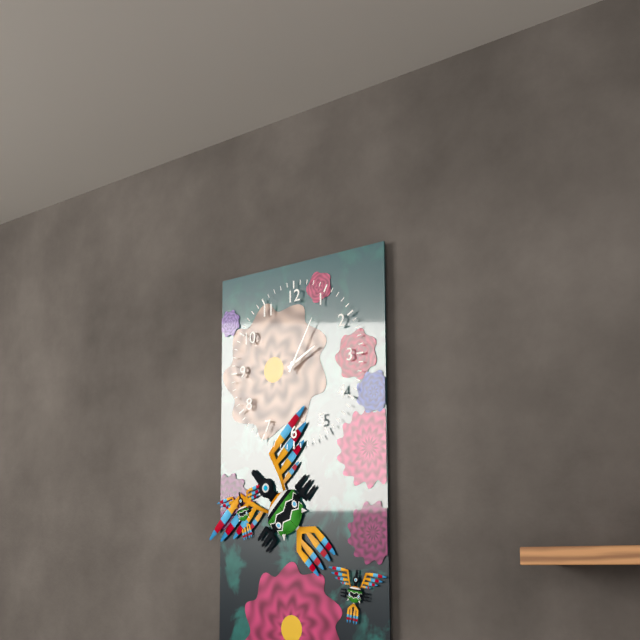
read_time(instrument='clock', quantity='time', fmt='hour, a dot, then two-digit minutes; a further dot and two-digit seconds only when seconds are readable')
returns 2.05
